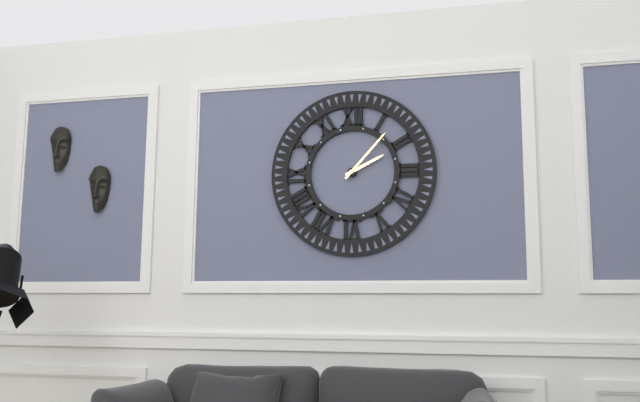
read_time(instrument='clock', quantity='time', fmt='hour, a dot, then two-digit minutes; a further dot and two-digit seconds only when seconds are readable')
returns 2.07
